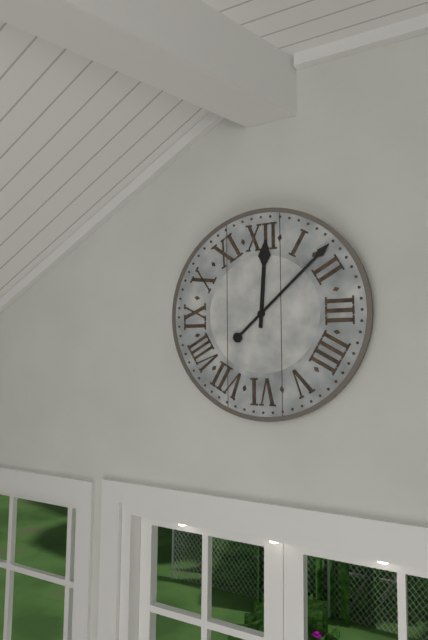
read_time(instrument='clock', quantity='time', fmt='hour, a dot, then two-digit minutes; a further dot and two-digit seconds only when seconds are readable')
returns 12.08
